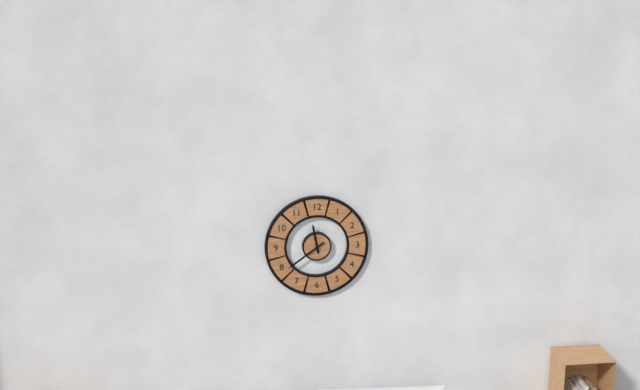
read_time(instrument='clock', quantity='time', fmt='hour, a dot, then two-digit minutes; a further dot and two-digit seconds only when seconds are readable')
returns 11.39
